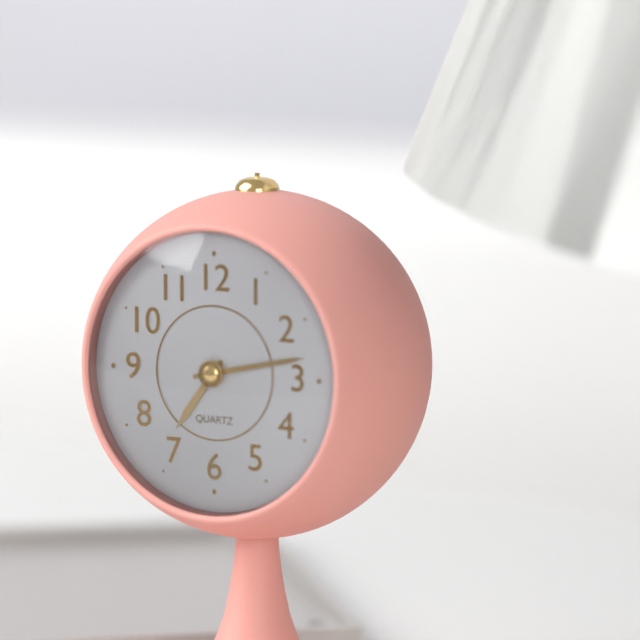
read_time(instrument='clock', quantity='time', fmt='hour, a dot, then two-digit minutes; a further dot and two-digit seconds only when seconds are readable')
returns 7.13
